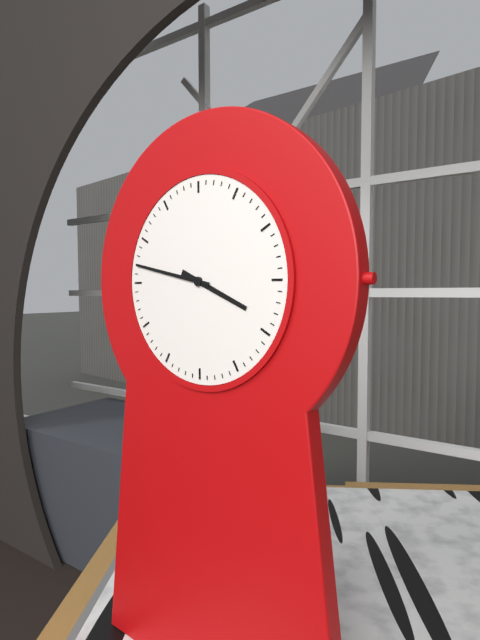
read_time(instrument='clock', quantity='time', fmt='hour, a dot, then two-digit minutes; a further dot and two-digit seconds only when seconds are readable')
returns 3.47
